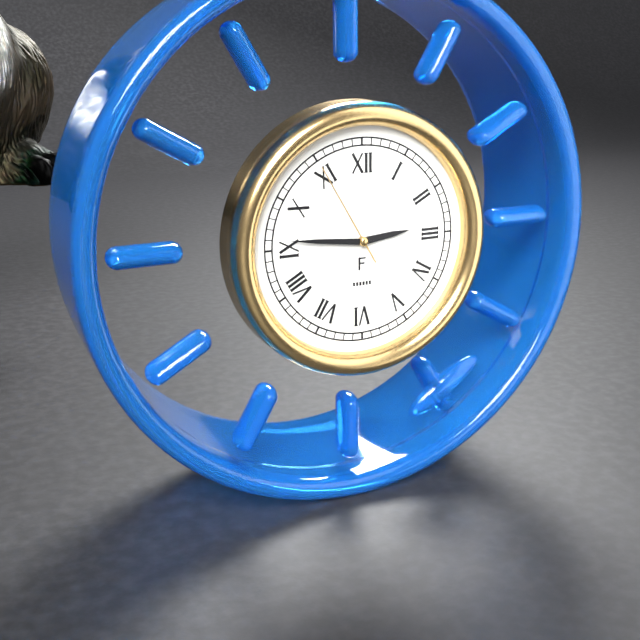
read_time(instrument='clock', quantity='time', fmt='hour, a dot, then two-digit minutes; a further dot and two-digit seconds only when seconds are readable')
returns 2.46.55
